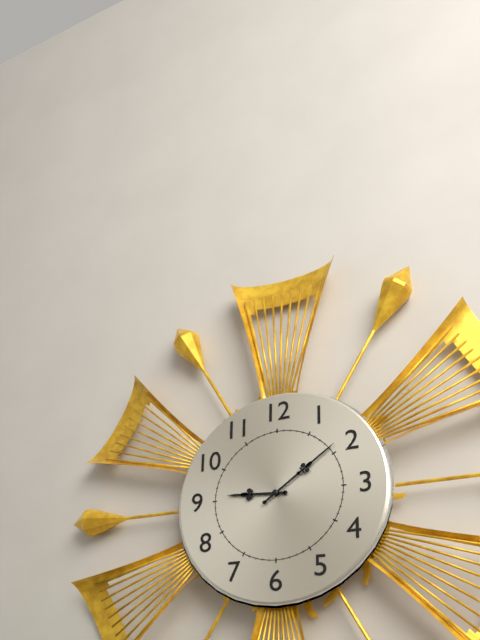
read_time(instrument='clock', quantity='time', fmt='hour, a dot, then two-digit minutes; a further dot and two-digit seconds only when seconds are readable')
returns 9.09
